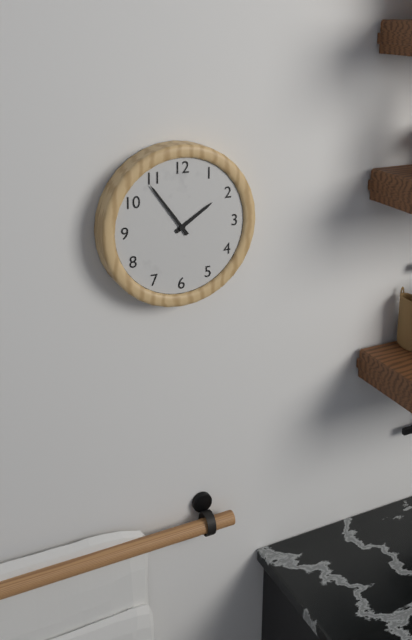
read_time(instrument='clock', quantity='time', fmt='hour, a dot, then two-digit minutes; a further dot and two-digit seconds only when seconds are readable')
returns 1.54
